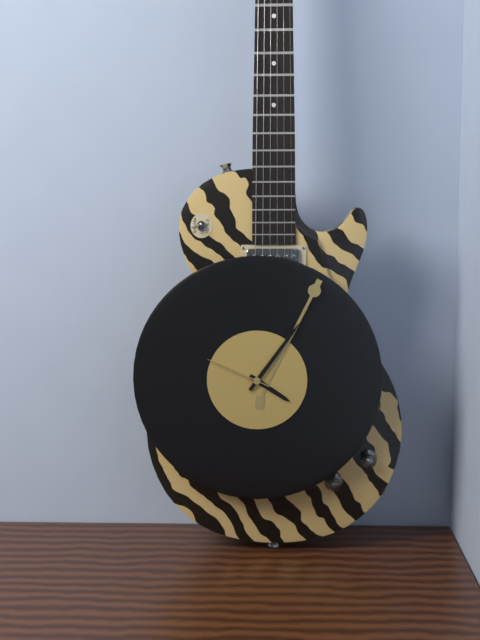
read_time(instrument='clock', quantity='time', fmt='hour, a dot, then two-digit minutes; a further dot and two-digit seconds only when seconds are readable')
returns 4.06.49
